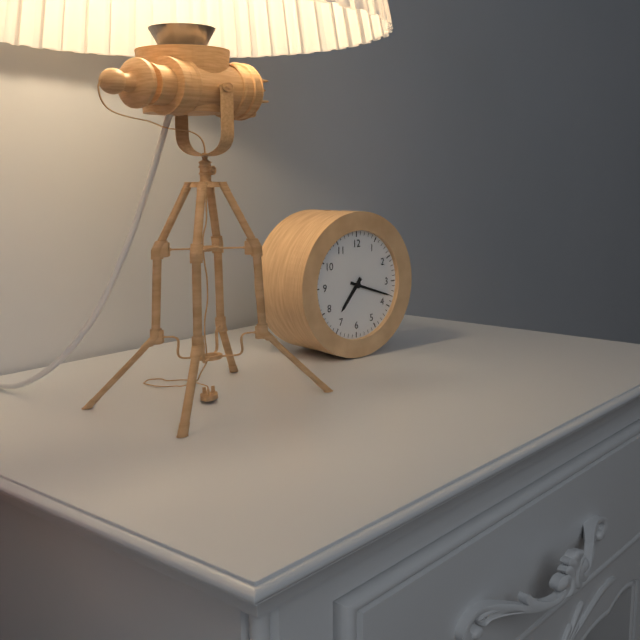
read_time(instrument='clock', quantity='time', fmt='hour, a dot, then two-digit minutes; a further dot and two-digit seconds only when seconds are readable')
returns 7.18
